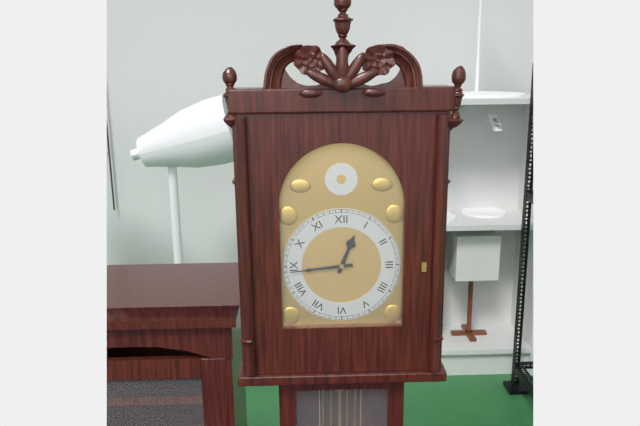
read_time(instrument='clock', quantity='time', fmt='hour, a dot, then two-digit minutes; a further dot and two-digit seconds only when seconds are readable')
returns 12.44
